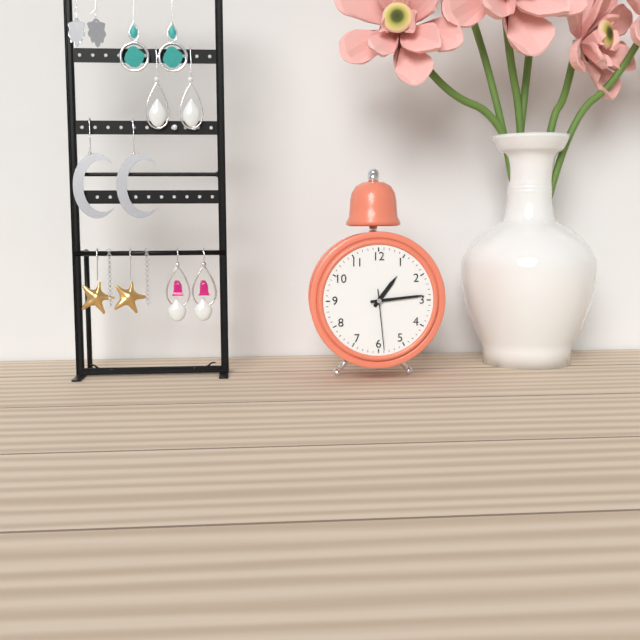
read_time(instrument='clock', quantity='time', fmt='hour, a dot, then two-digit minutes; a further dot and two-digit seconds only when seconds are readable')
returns 1.14.29
